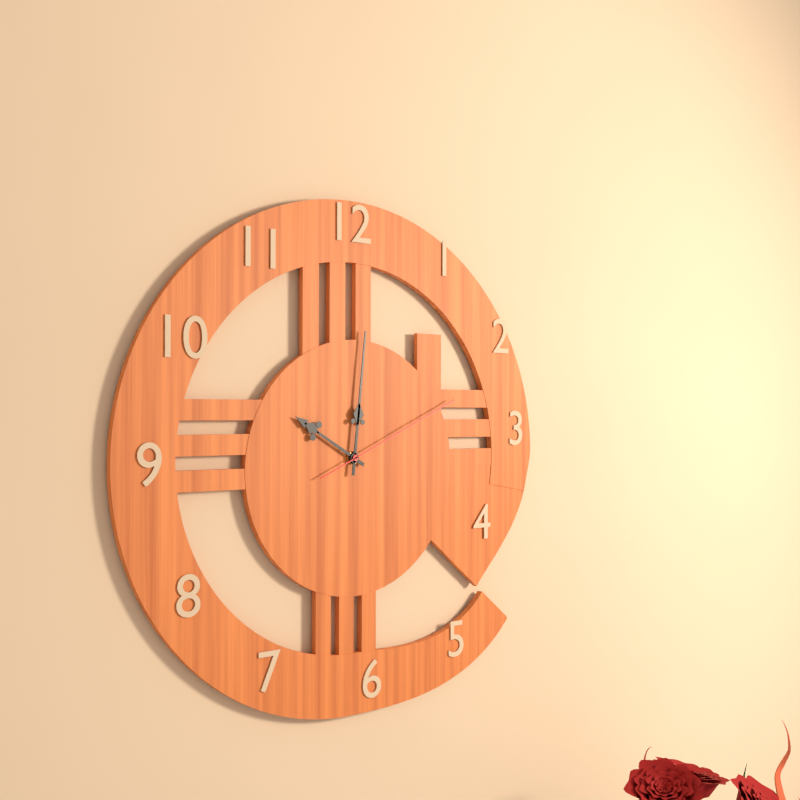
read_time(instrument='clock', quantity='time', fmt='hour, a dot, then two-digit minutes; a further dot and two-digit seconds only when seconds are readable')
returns 10.01.11
